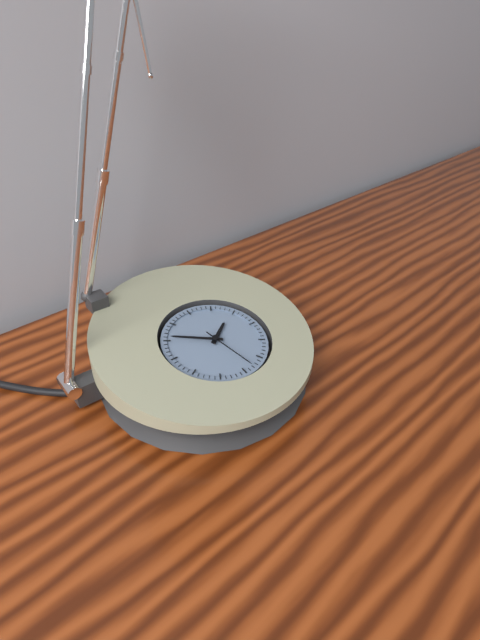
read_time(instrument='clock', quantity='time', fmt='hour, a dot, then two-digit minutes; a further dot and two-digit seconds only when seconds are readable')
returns 1.51.28
